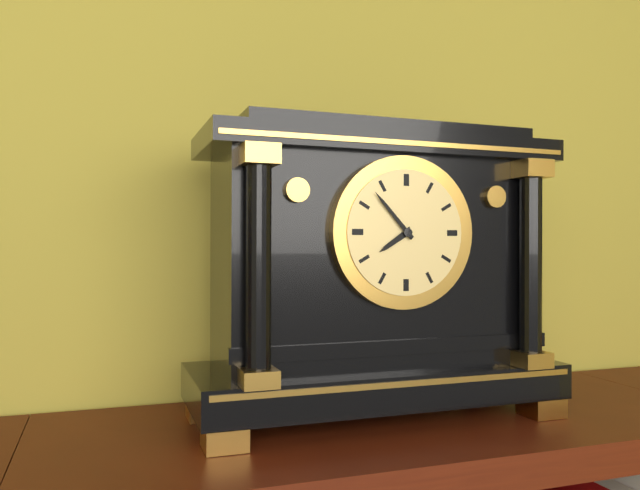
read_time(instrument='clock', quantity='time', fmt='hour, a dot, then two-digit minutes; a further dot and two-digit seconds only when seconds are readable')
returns 7.53
